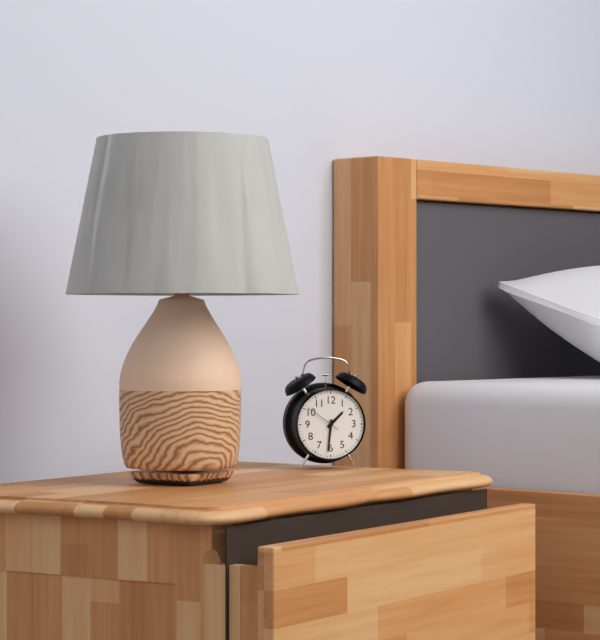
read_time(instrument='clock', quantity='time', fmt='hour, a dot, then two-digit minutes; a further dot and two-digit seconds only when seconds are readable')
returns 1.31
